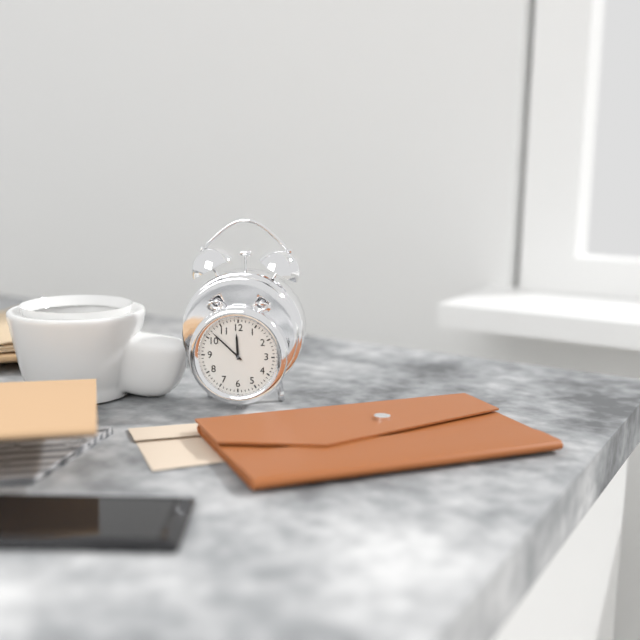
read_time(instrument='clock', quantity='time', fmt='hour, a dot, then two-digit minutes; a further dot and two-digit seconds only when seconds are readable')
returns 11.52
